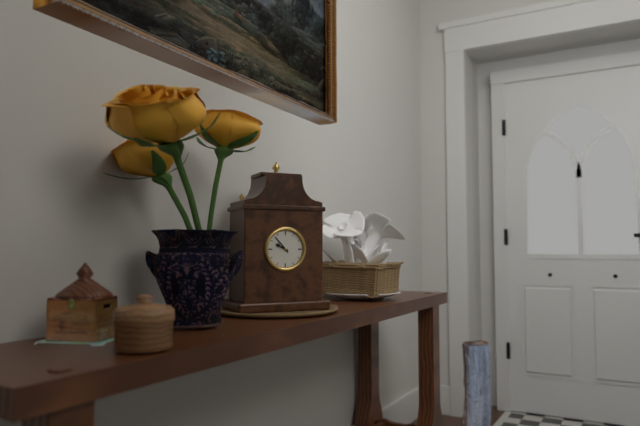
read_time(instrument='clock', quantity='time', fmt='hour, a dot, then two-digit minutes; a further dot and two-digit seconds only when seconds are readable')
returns 9.53
